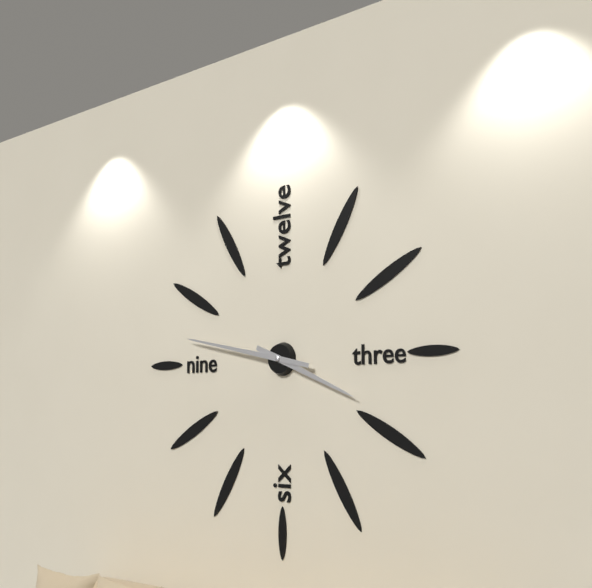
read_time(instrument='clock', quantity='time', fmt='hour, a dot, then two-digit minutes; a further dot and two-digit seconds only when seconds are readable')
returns 3.47
